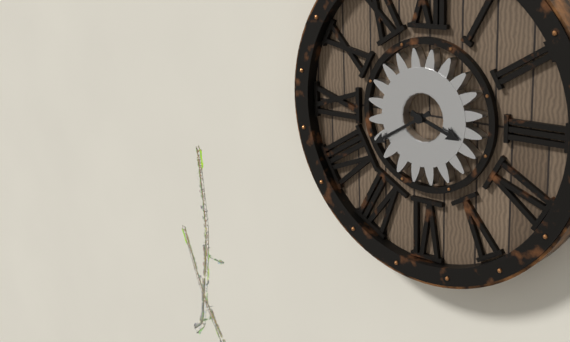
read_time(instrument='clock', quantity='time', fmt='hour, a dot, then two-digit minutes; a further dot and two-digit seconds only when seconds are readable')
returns 3.40
